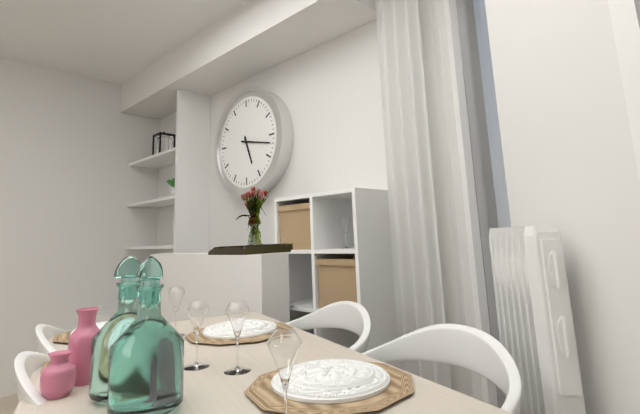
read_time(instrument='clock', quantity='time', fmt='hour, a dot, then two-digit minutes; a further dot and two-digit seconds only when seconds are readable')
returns 5.17
